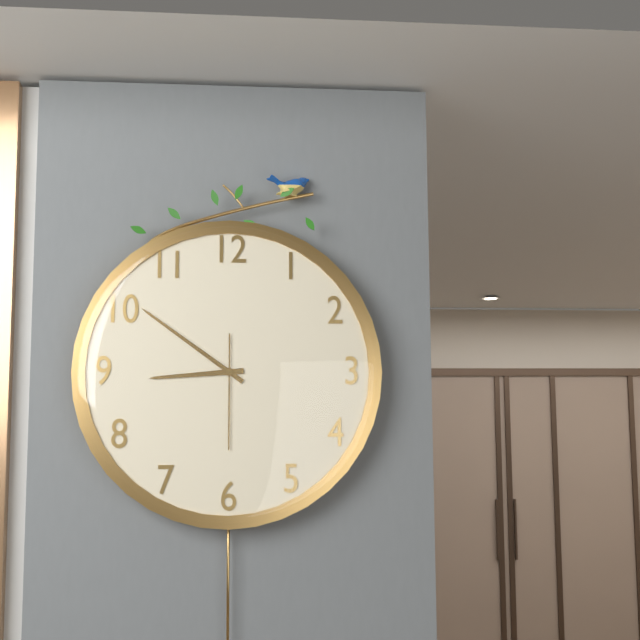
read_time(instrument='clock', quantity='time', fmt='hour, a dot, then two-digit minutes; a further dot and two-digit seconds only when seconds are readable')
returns 8.51.30
